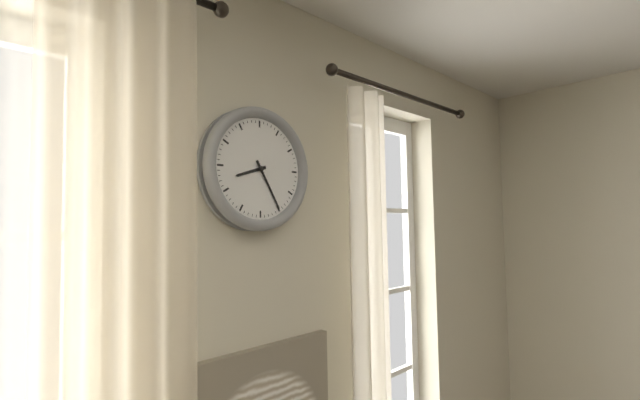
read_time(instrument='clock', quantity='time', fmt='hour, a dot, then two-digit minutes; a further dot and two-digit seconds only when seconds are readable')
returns 8.25
